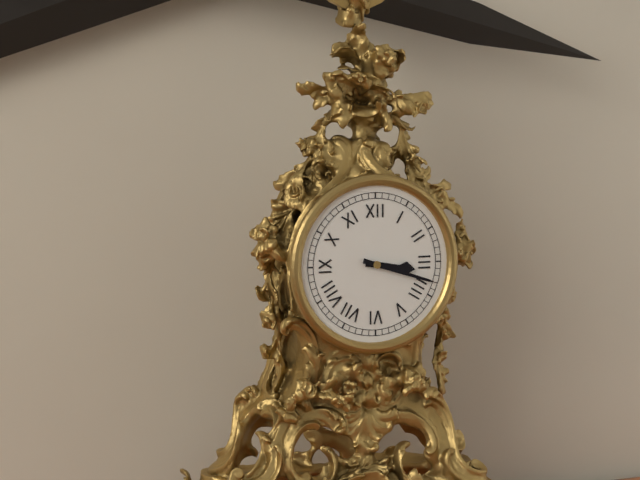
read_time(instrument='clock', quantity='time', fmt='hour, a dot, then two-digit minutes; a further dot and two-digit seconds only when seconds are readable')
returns 3.18
